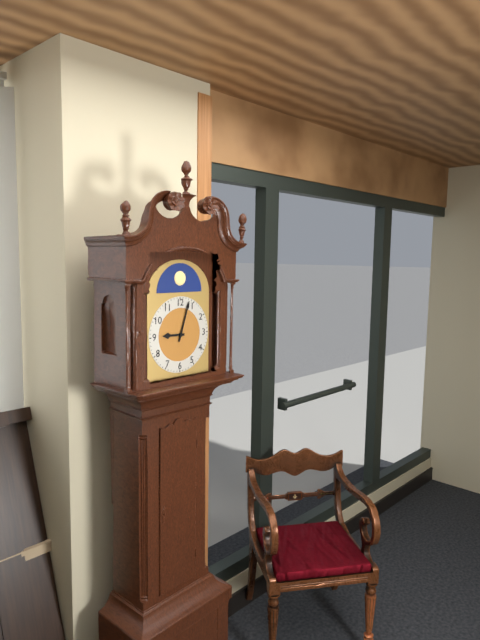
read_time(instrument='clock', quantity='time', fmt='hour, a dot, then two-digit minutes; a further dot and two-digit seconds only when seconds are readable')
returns 9.03
